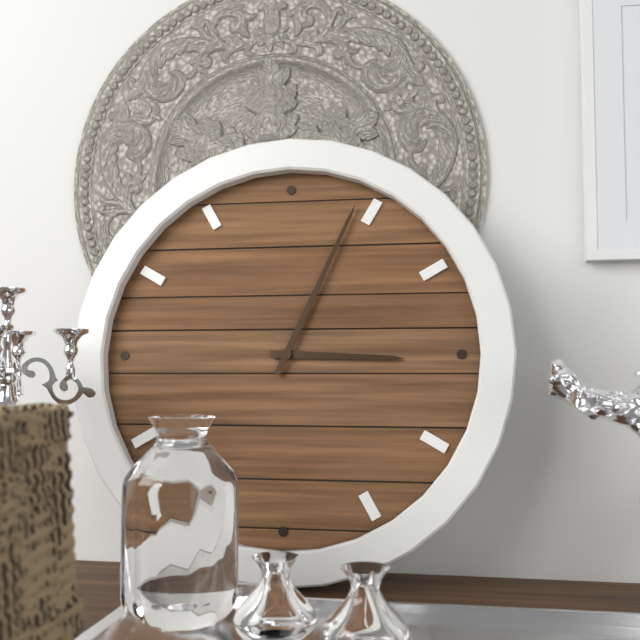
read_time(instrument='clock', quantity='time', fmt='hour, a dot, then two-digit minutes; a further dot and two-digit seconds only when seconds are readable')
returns 3.04
